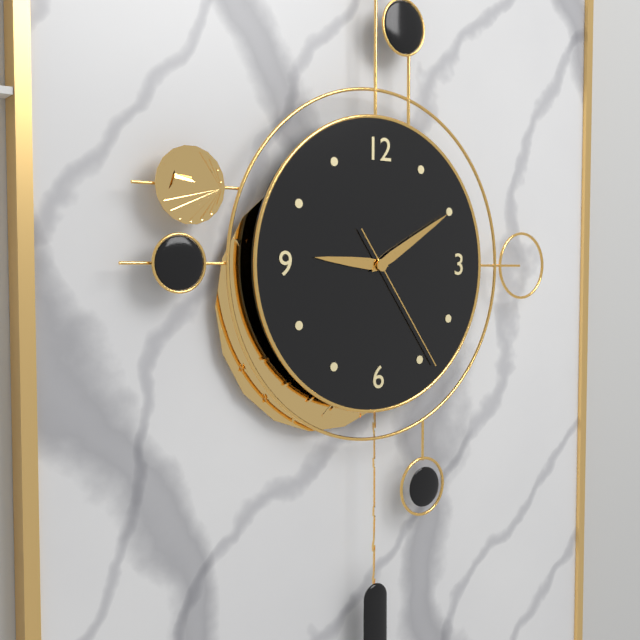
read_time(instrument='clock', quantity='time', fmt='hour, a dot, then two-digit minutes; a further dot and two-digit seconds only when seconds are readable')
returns 9.10.24
